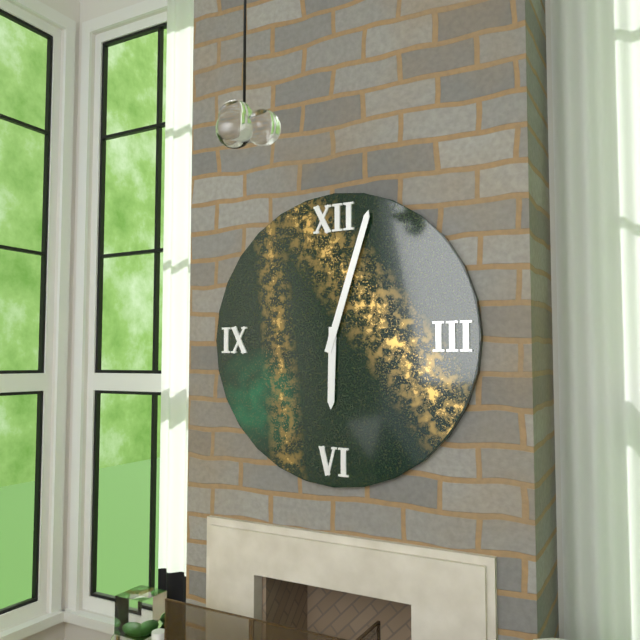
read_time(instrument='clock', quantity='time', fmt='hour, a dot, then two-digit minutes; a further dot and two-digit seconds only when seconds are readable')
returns 6.03
